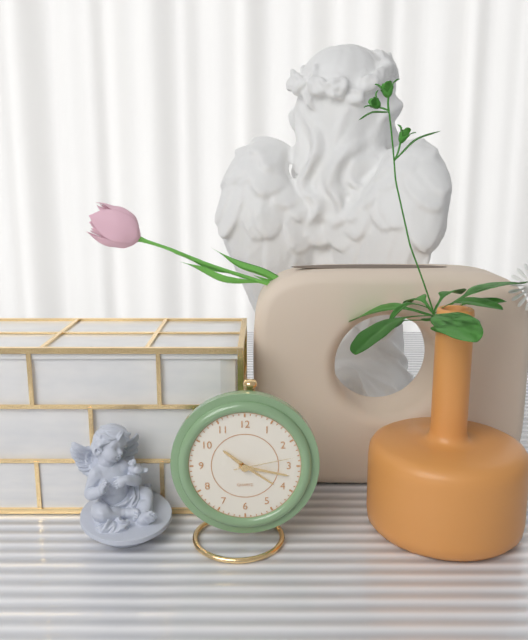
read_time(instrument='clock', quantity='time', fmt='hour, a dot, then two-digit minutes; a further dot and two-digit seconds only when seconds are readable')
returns 10.17.13
